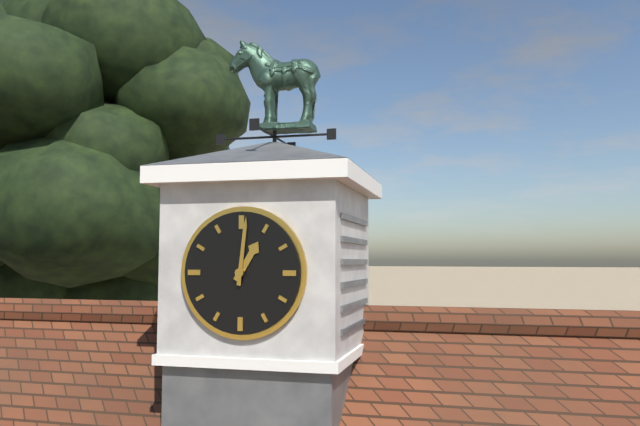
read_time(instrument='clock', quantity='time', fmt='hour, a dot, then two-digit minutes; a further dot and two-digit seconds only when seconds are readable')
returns 1.01
